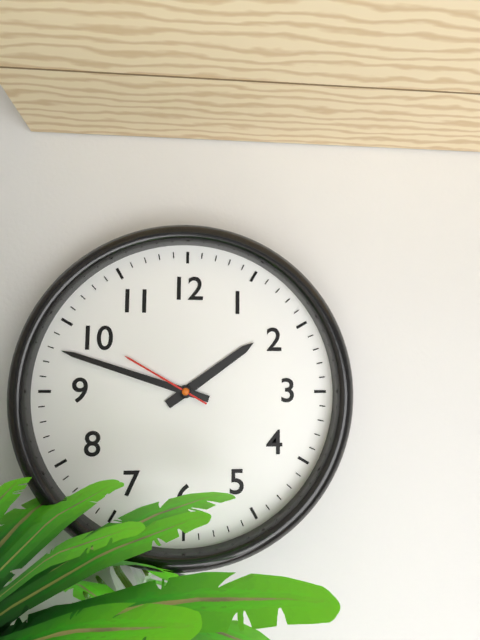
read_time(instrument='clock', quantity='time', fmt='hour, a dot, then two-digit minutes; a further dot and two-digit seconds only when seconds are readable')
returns 1.48.50
